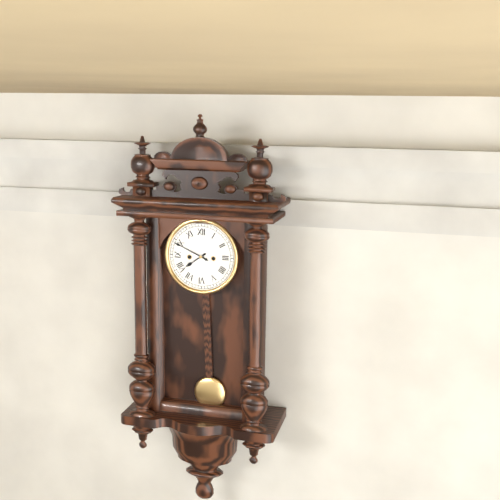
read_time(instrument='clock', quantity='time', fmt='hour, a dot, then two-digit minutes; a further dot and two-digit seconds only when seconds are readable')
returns 7.49
